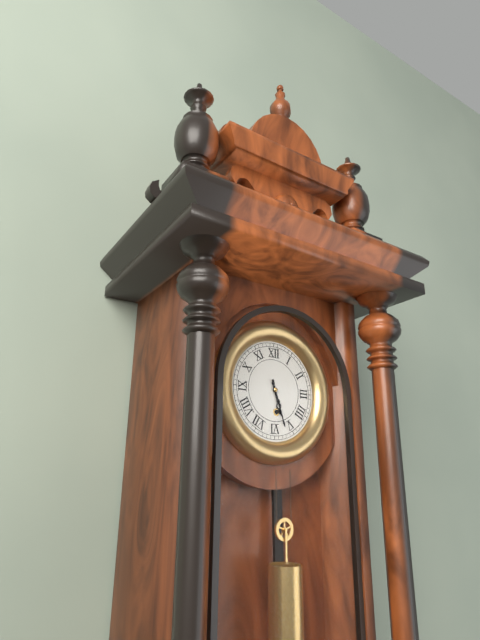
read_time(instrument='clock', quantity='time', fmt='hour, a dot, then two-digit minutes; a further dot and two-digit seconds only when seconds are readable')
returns 5.27
